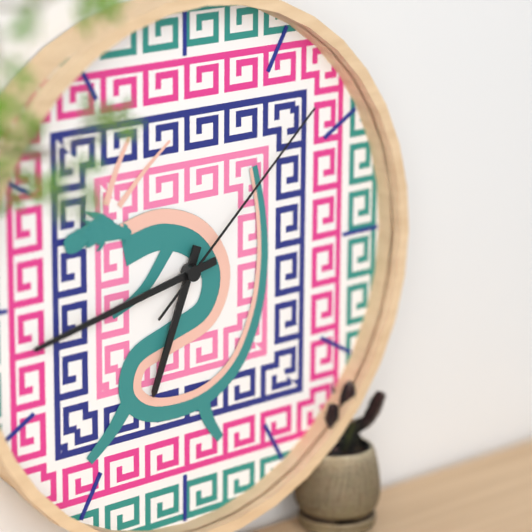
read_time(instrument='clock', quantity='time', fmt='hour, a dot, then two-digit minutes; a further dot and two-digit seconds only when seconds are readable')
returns 6.43.08
